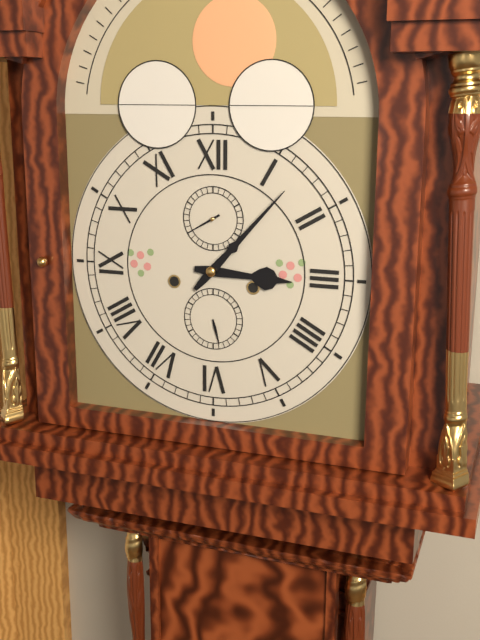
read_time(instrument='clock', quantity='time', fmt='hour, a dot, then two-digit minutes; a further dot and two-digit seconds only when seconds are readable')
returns 3.07
